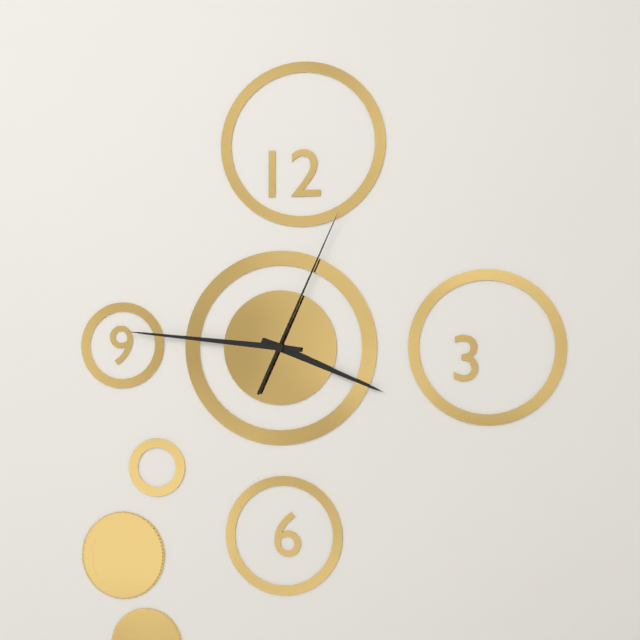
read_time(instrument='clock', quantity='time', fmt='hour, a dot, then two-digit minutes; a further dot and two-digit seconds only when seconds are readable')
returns 3.46.04
